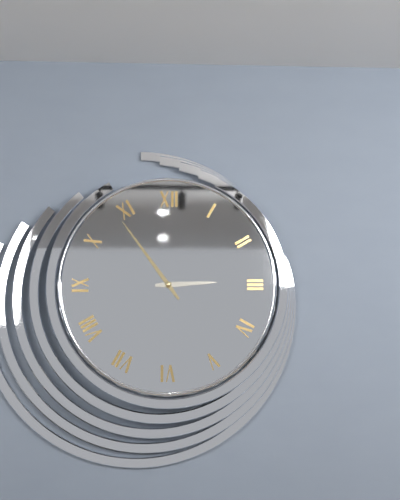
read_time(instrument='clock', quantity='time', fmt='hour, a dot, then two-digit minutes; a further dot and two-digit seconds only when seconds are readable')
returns 2.54
